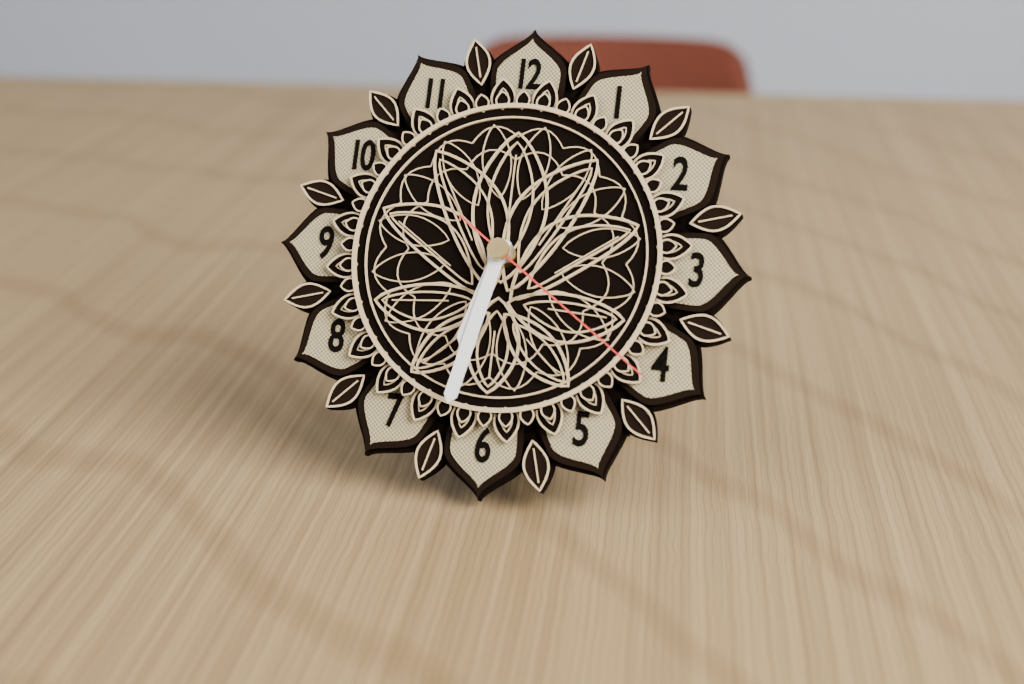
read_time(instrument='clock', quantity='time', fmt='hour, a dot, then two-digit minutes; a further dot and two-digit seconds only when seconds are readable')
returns 6.32.21
